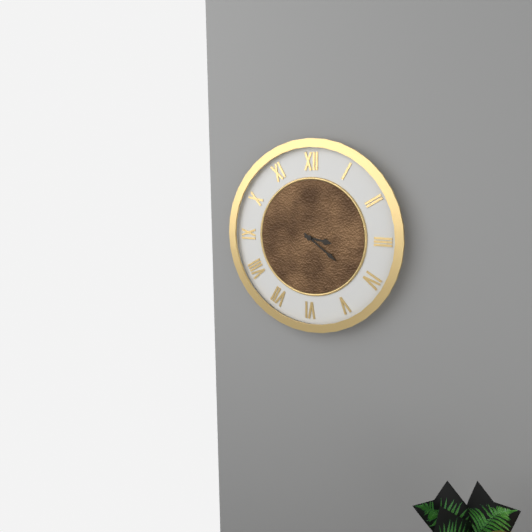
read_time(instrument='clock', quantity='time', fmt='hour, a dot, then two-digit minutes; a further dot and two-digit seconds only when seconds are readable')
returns 3.21
